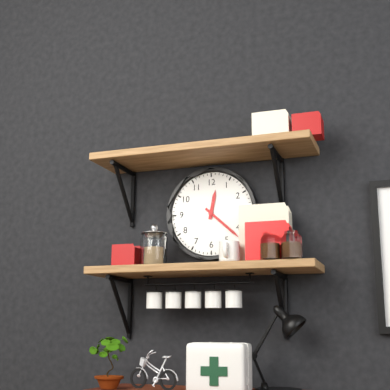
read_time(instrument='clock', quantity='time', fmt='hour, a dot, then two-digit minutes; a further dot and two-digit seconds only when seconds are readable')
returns 12.22
